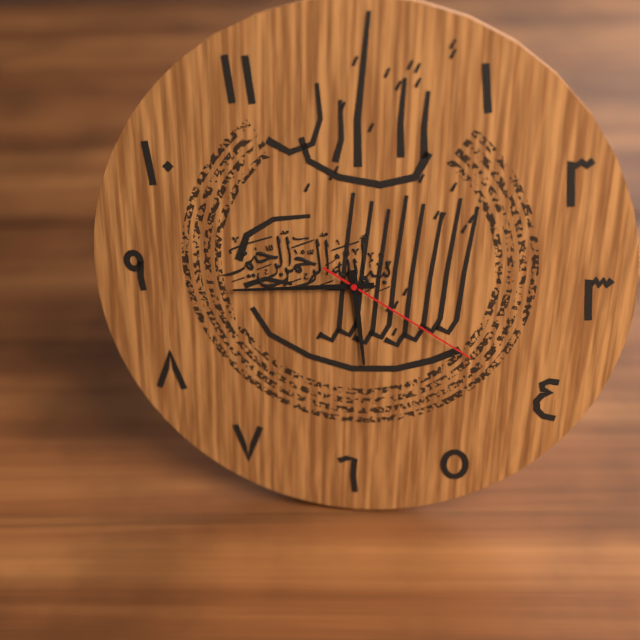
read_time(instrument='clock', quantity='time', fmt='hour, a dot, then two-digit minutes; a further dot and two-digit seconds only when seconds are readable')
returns 5.44.20
